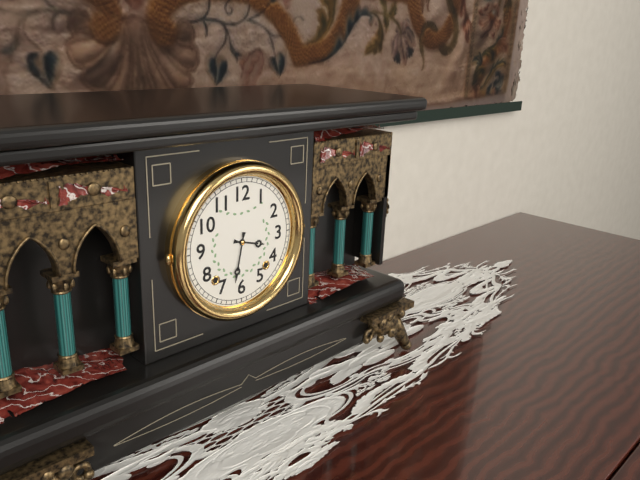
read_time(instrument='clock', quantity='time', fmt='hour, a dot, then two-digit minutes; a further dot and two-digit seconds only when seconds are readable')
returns 3.32
